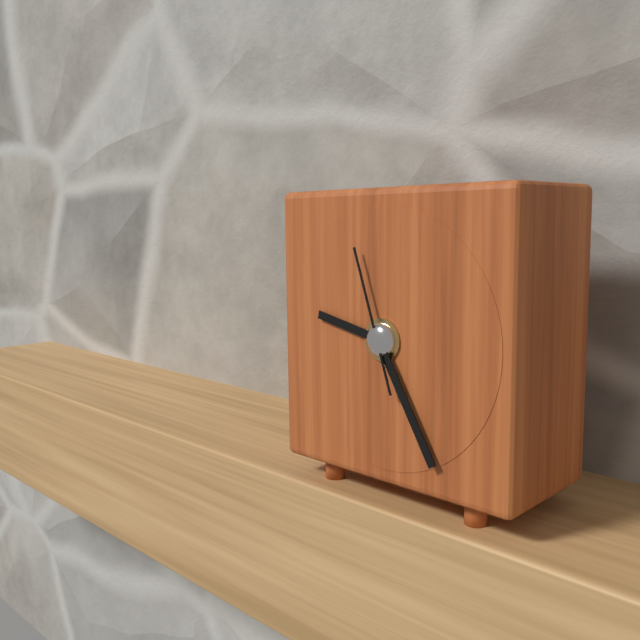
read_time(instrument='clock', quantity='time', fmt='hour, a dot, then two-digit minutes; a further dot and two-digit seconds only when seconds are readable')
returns 9.25.57
